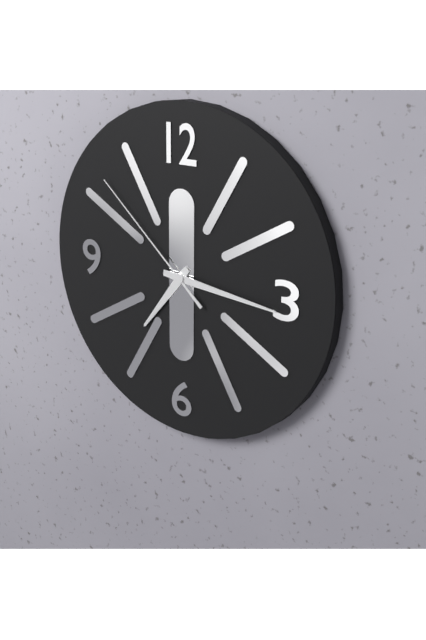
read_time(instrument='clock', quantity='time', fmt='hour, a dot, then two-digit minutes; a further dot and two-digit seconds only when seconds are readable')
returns 7.16.52
